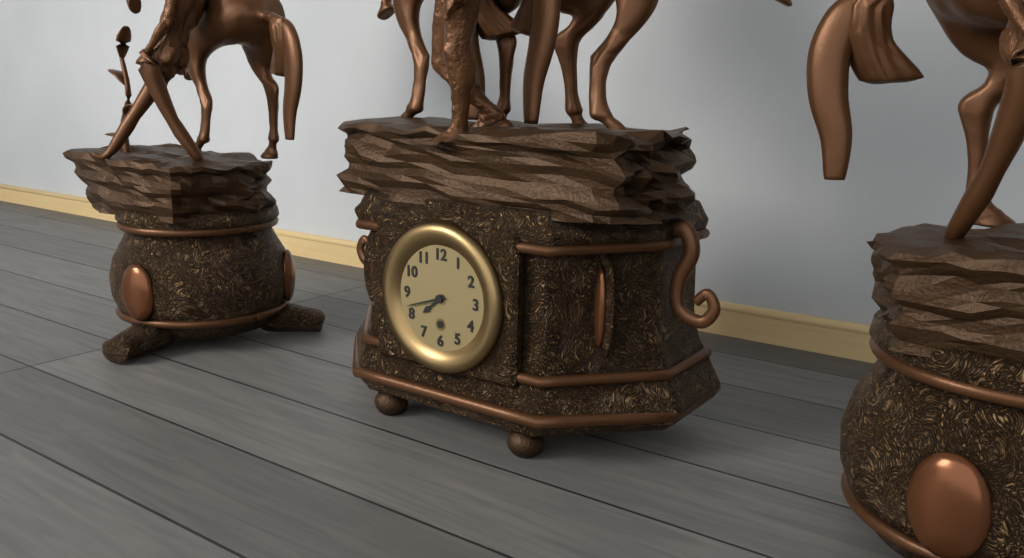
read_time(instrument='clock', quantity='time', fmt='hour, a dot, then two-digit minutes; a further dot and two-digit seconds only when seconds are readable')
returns 7.42
